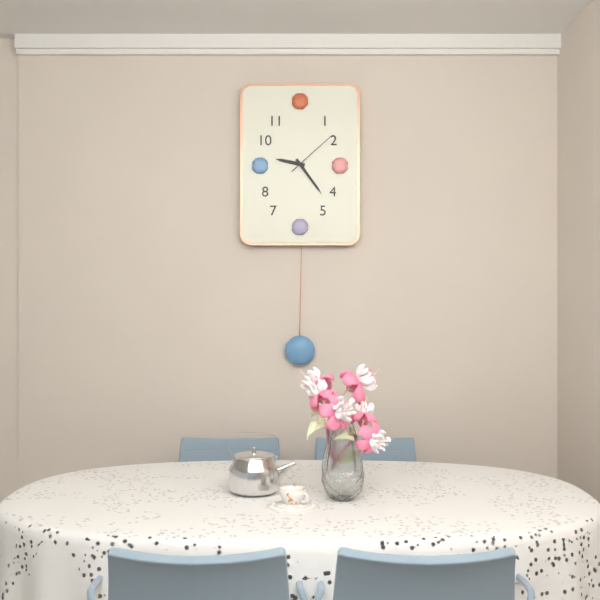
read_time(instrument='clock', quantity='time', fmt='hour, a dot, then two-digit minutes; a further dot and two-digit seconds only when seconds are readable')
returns 9.24.08
